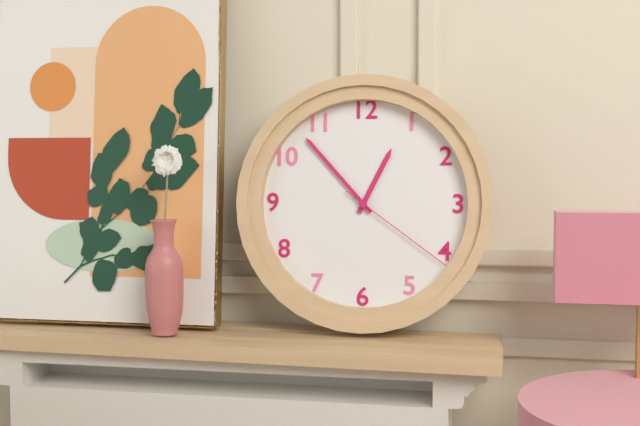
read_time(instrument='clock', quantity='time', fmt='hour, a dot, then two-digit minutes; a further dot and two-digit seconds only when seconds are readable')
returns 12.53.21
